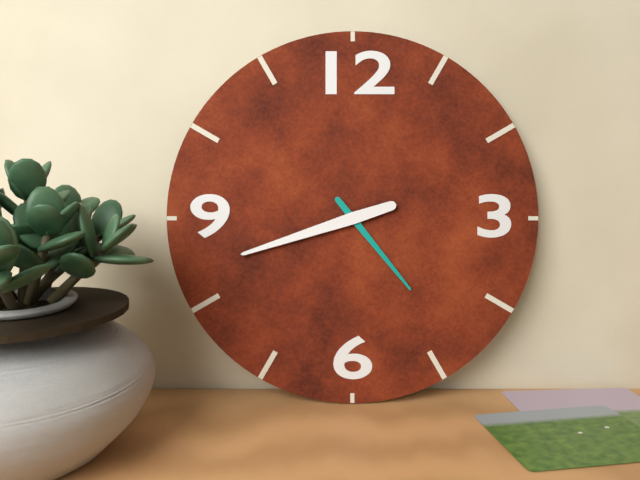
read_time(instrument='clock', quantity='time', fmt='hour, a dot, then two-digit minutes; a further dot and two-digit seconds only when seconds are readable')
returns 4.42
